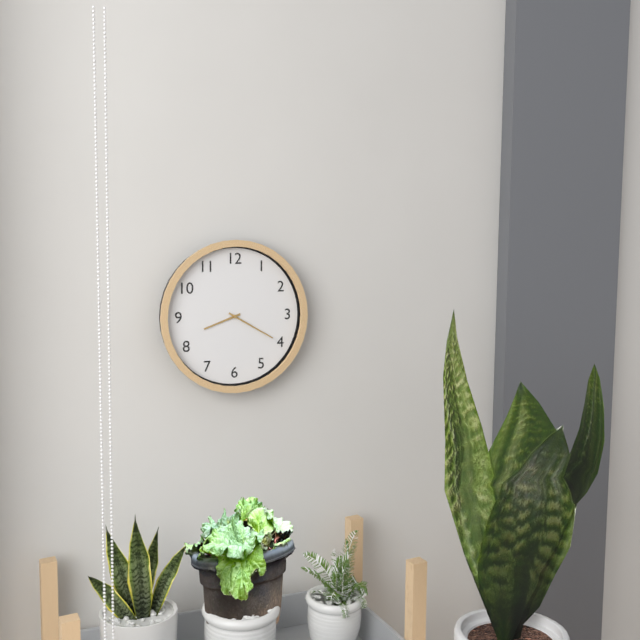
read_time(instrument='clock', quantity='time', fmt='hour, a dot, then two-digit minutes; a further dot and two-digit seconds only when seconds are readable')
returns 8.20
